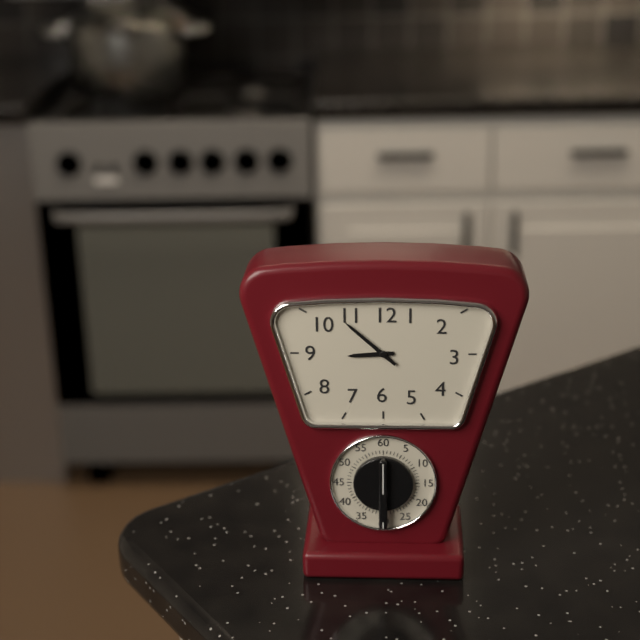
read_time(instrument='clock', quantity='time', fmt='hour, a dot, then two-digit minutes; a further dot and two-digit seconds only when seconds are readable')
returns 8.52
